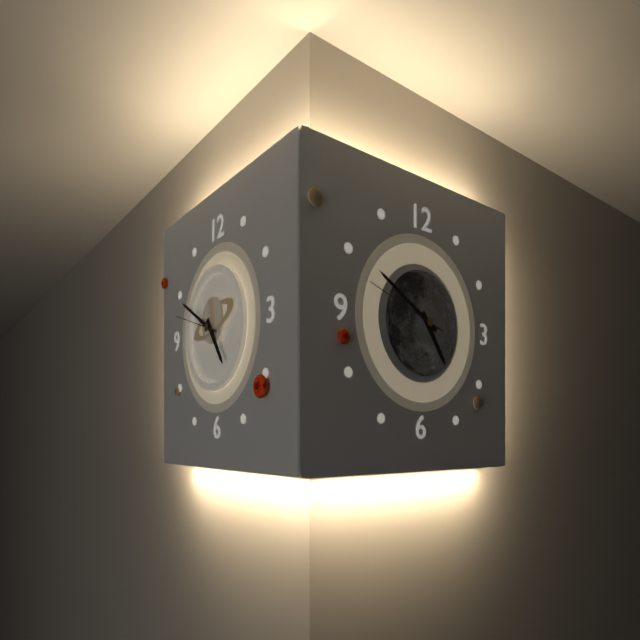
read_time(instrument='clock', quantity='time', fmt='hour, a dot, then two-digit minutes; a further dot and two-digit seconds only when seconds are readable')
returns 4.50.48
